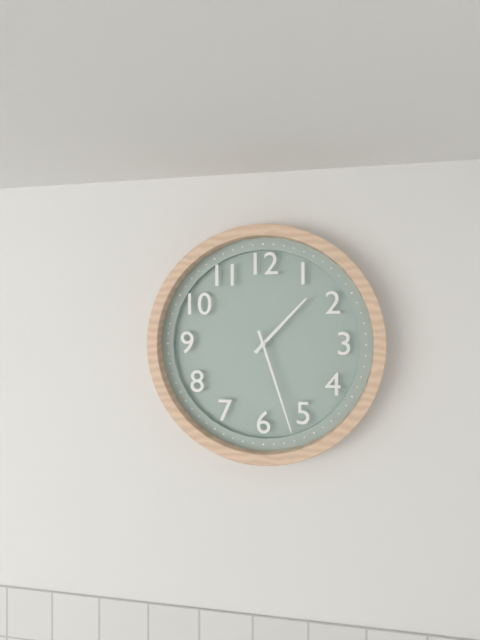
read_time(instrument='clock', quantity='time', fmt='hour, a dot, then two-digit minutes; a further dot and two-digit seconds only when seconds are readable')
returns 1.27
